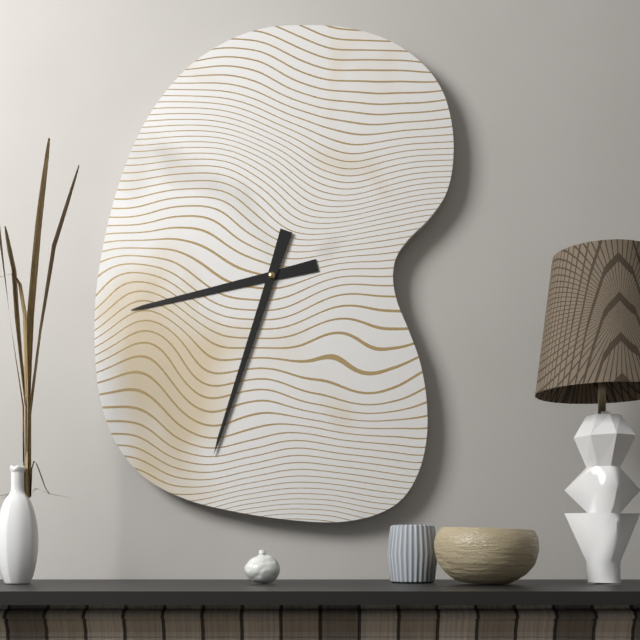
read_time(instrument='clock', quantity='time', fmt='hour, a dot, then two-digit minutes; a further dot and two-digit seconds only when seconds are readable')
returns 8.33
